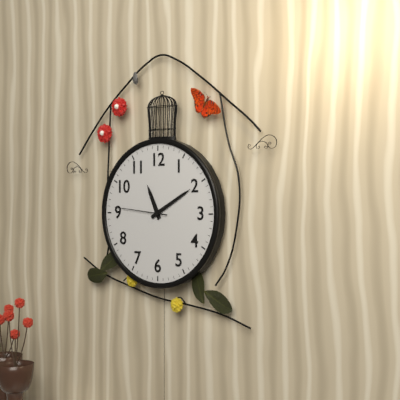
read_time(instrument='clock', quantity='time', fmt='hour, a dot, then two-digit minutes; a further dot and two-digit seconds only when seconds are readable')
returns 11.10.46
